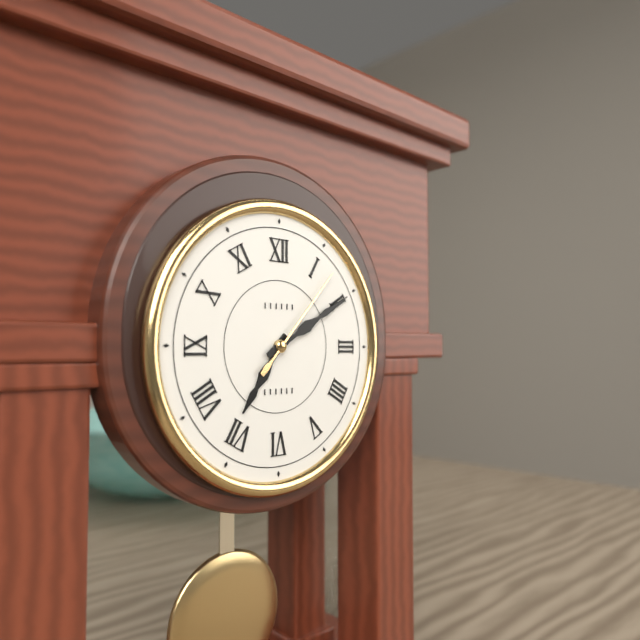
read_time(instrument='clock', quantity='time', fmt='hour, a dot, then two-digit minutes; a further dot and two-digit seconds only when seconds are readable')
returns 7.10.07
